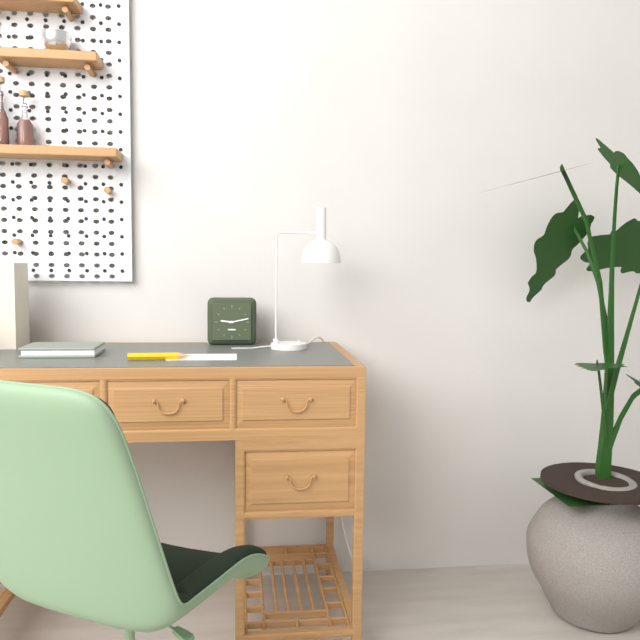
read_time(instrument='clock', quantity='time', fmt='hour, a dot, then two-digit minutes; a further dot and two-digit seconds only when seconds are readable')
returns 9.13
